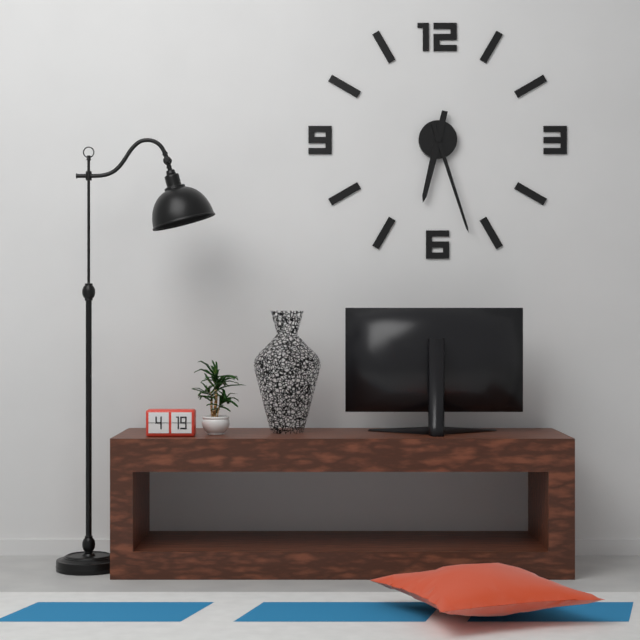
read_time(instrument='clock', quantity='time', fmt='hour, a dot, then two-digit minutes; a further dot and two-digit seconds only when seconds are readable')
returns 6.27
